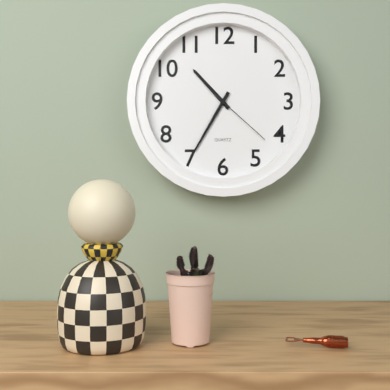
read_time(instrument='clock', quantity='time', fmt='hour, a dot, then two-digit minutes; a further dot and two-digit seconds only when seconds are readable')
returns 10.35.22
